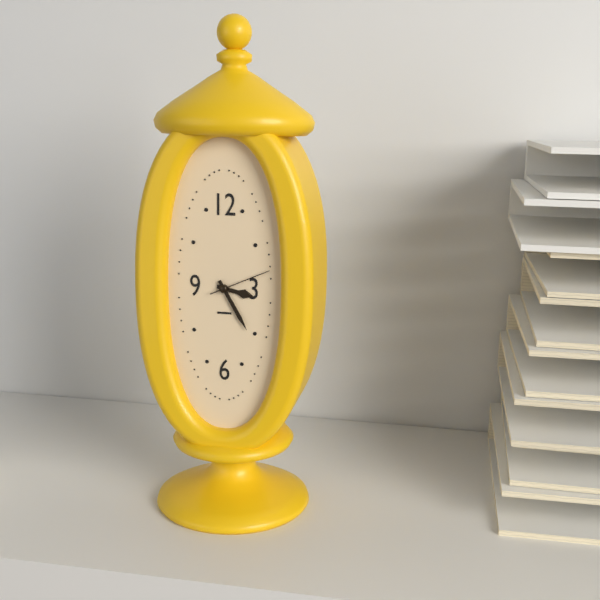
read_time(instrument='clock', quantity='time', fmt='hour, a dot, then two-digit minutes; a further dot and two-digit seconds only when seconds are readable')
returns 3.25.11
